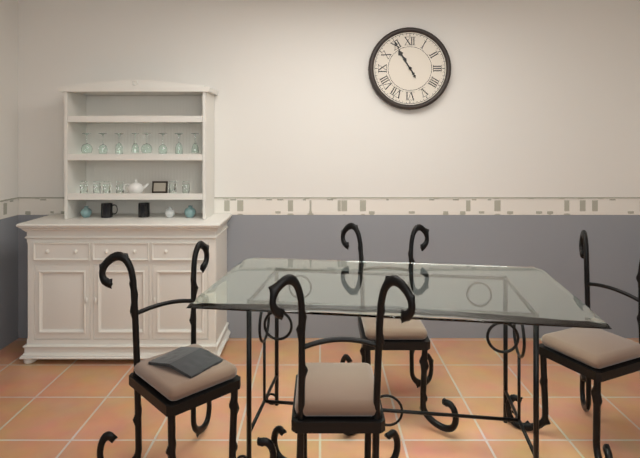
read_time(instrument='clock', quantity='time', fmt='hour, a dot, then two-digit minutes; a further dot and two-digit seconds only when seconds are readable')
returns 10.55
